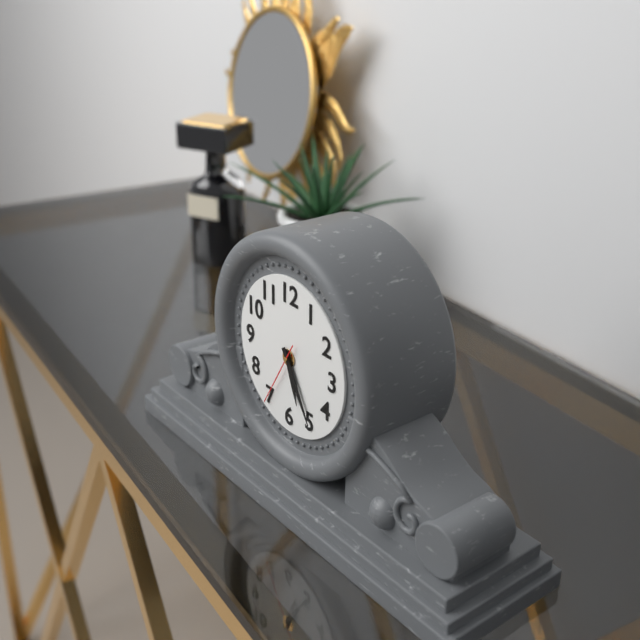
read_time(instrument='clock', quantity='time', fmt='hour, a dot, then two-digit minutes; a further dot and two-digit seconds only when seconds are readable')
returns 5.25.35
